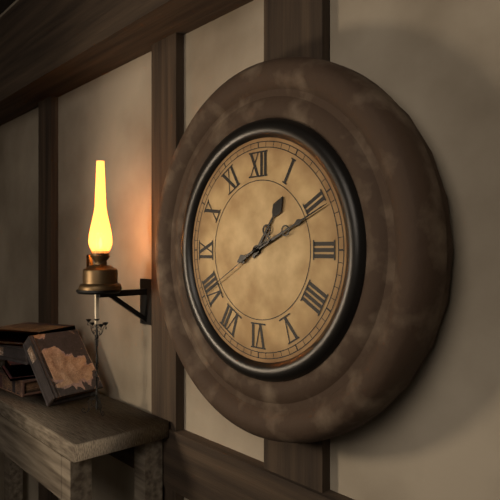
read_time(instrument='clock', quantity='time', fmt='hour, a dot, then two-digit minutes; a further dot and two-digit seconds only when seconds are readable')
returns 1.11.40
